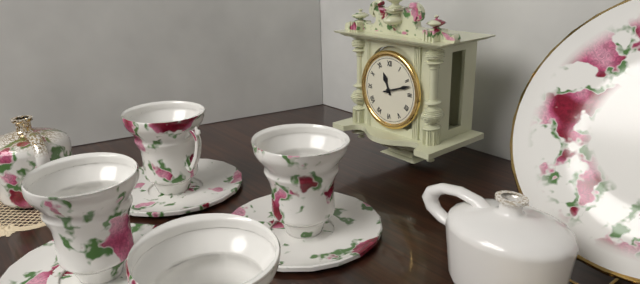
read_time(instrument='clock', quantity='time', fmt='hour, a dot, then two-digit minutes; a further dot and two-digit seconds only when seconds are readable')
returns 11.12
